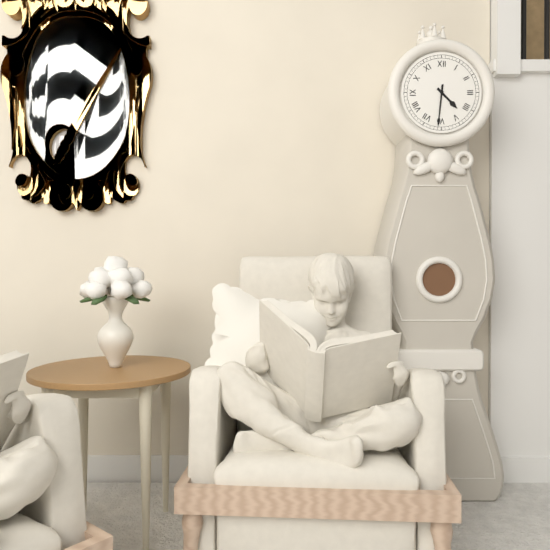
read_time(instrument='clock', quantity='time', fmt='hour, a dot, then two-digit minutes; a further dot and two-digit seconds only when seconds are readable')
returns 4.31
